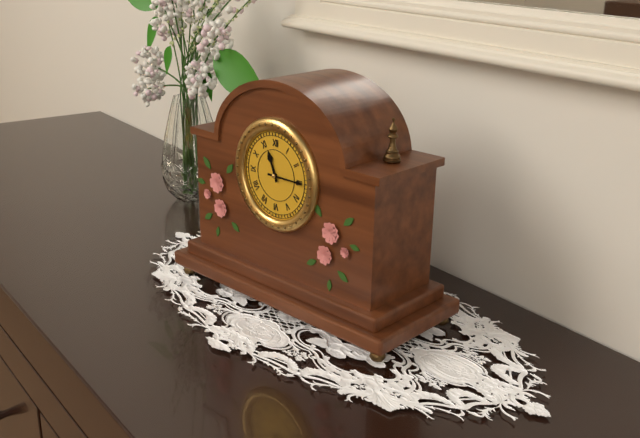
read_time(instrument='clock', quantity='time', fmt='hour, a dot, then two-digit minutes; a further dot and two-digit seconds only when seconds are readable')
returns 11.15
